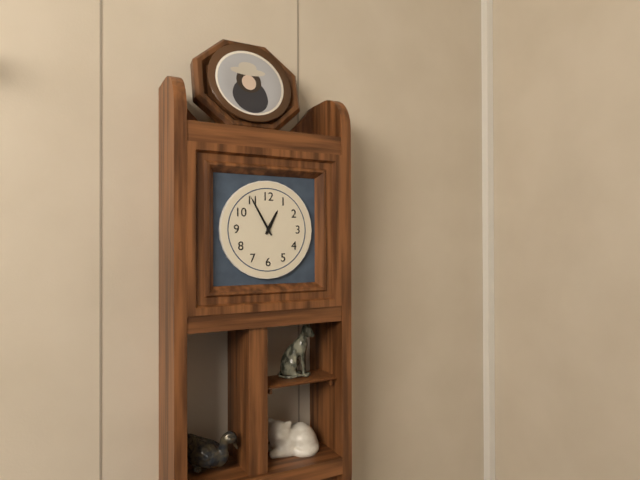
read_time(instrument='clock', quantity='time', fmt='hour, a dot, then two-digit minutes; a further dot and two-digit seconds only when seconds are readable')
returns 12.55
